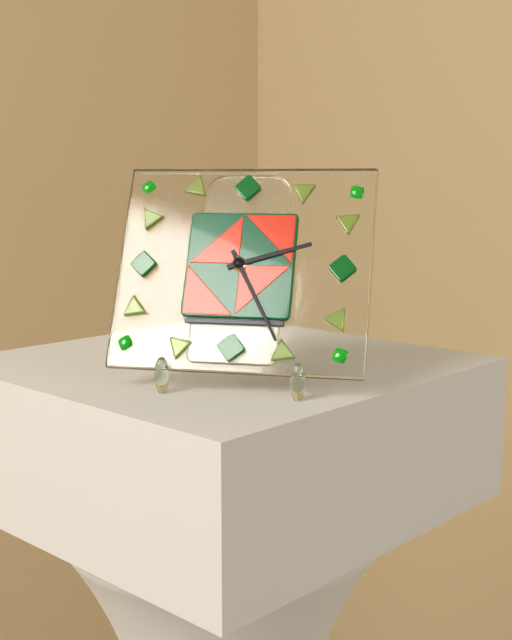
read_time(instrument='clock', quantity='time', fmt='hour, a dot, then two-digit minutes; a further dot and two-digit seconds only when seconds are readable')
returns 2.25
